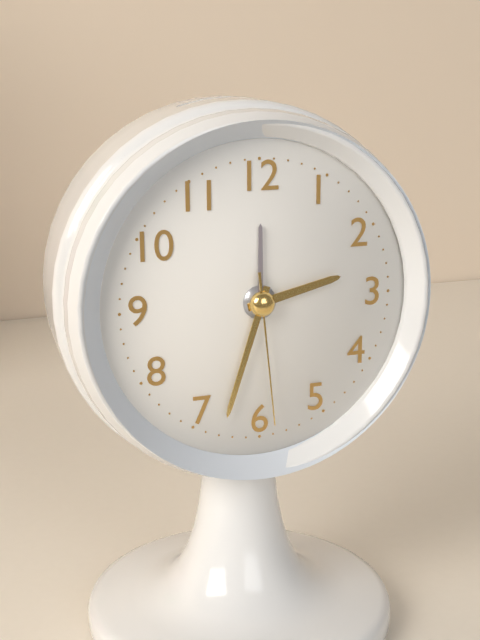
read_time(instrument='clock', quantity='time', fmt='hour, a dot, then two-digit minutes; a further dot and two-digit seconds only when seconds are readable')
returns 2.33.29
